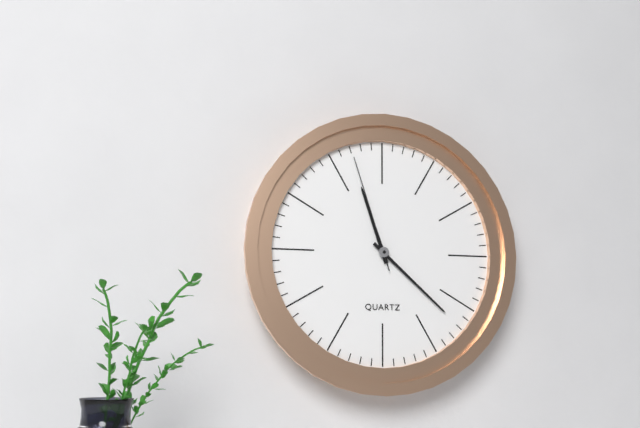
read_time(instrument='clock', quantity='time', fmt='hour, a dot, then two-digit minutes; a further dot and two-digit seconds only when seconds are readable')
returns 11.22.57
